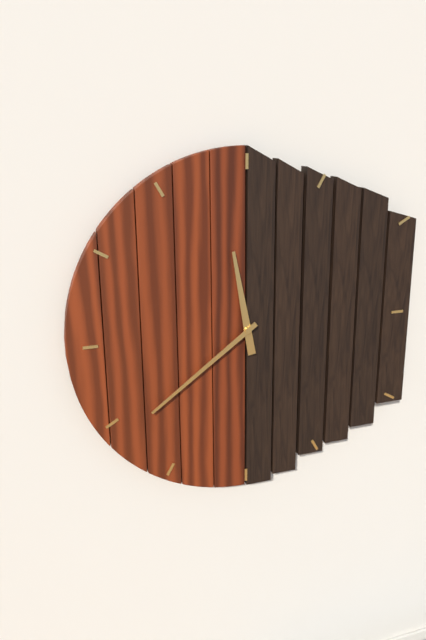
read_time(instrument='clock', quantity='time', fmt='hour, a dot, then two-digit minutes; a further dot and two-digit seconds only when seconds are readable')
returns 11.39
